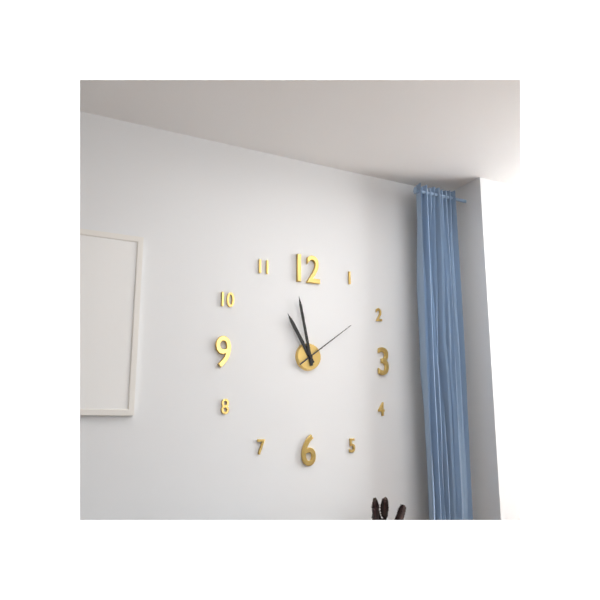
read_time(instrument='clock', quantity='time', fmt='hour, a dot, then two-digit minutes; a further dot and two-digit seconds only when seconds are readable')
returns 10.58.09
